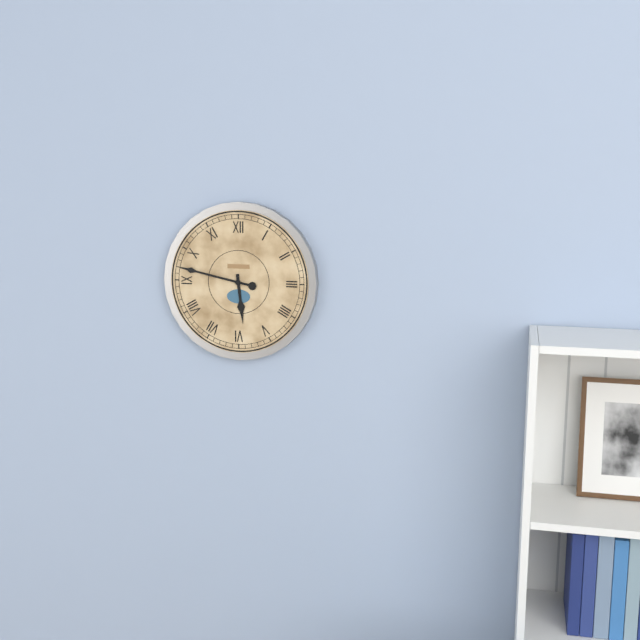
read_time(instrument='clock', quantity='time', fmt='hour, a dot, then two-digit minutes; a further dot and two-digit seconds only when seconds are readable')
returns 5.47
